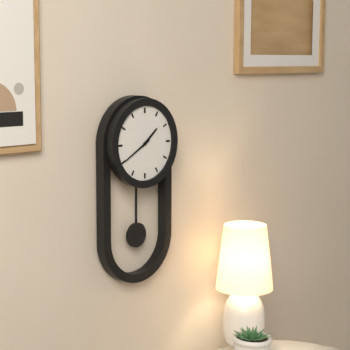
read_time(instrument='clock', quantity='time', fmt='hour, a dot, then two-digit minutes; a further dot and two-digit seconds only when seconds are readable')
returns 1.40
